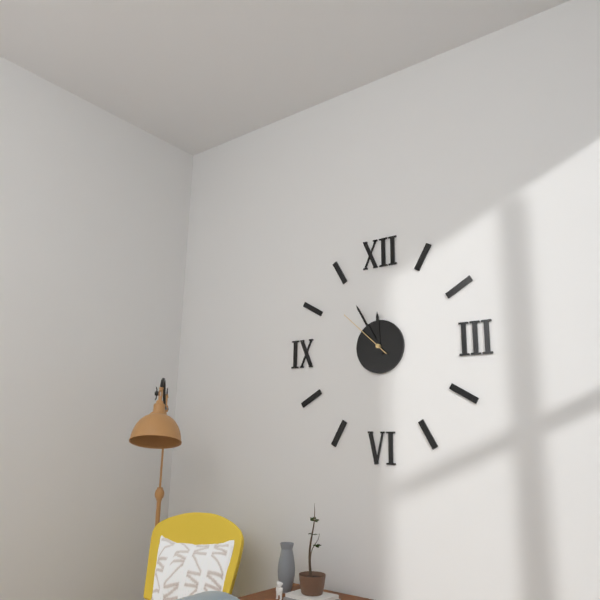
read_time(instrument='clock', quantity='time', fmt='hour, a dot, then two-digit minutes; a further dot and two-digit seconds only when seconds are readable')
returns 11.55.52
